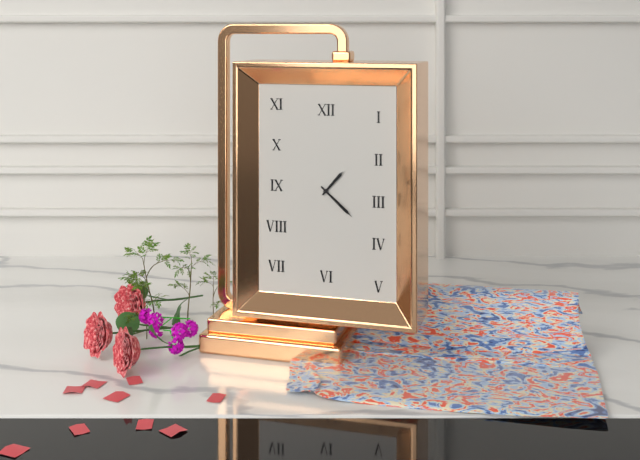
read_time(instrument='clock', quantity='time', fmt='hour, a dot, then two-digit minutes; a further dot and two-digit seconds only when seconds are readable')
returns 1.22
